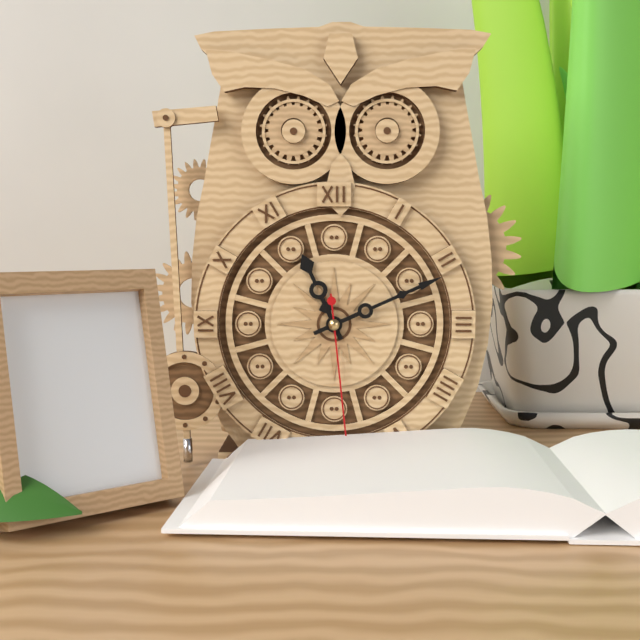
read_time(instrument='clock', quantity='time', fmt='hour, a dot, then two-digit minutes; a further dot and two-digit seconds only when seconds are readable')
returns 11.11.29
